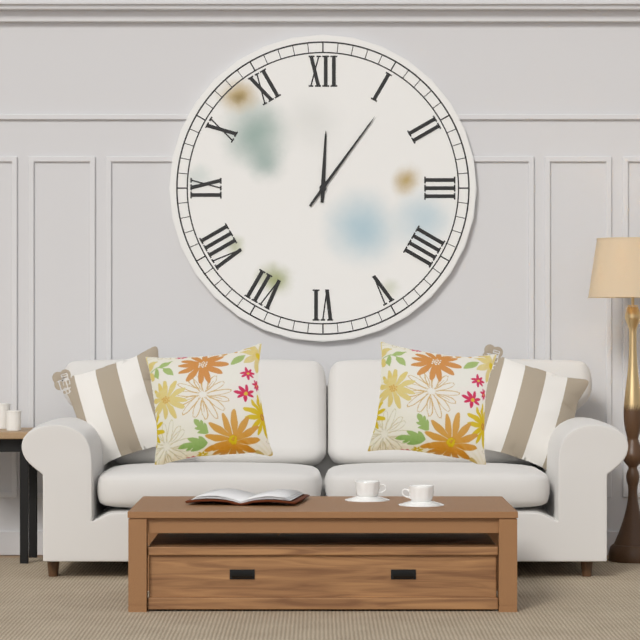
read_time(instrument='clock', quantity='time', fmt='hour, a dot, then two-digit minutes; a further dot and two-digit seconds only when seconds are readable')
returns 12.06
